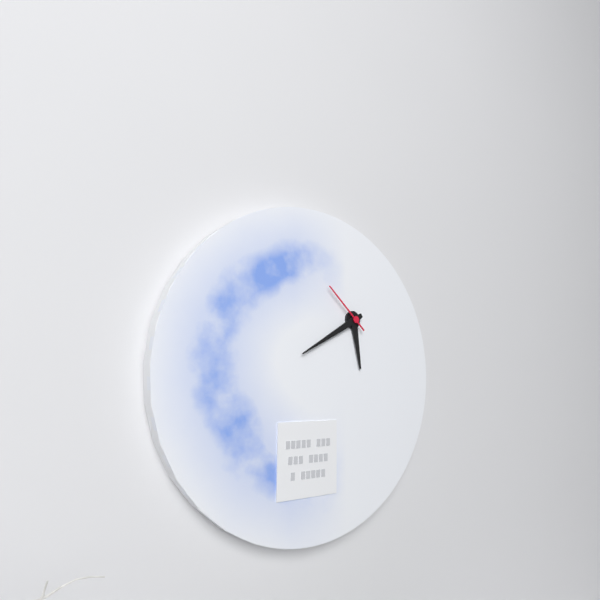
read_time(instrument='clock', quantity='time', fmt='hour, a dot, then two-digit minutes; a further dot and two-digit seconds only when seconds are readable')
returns 5.40.52
